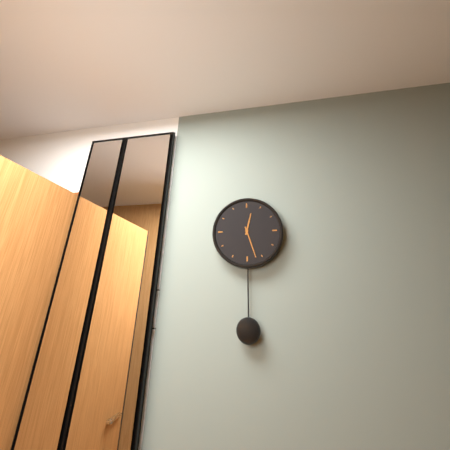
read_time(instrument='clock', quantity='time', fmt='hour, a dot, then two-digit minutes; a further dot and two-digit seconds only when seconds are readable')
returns 12.27
